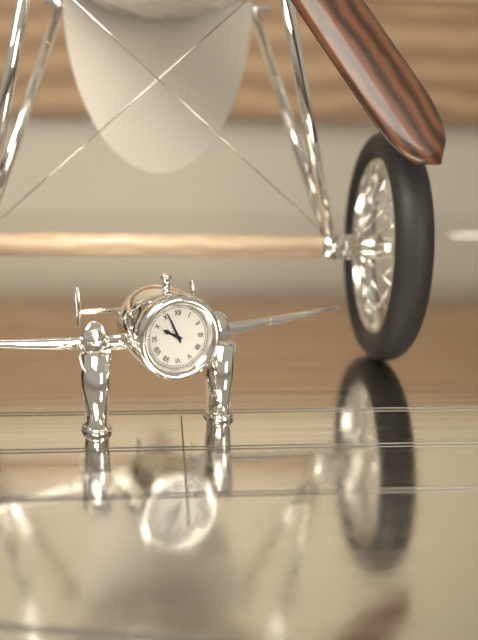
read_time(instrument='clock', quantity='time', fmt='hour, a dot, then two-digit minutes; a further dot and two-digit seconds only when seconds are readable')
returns 9.56
